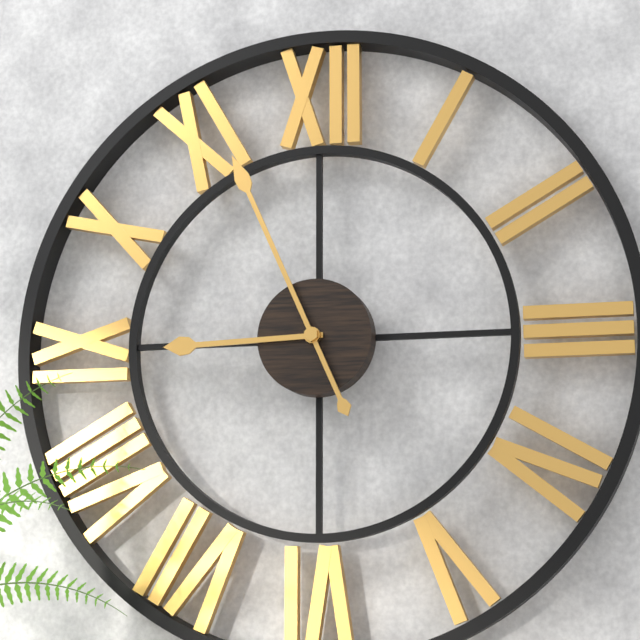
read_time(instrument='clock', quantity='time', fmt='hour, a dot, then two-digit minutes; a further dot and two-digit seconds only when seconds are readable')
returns 8.56
